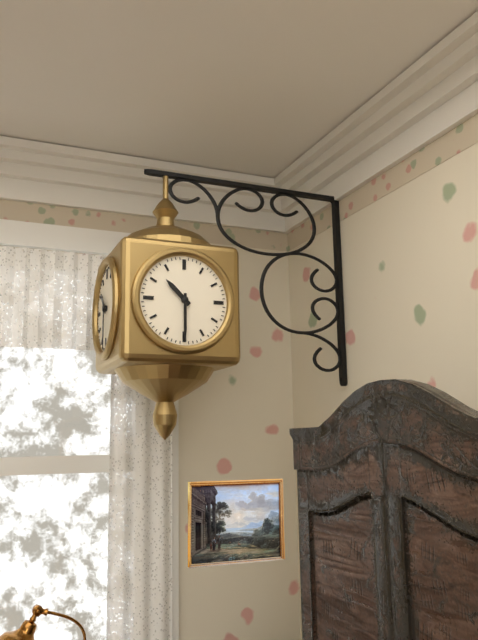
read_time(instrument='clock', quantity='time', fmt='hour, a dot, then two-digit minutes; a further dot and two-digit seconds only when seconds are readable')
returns 10.30
